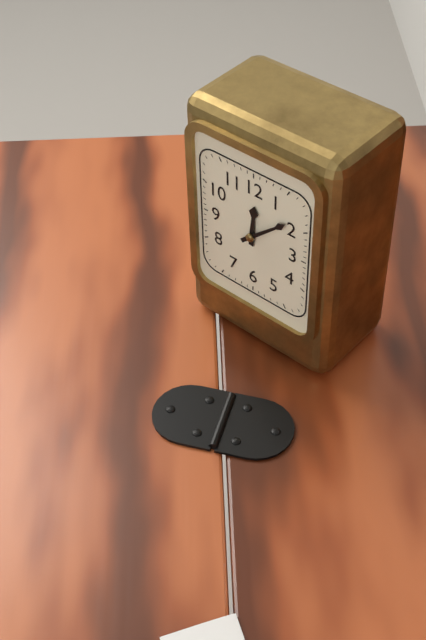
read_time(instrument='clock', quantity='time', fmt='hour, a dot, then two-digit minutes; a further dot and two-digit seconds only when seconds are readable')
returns 12.08
